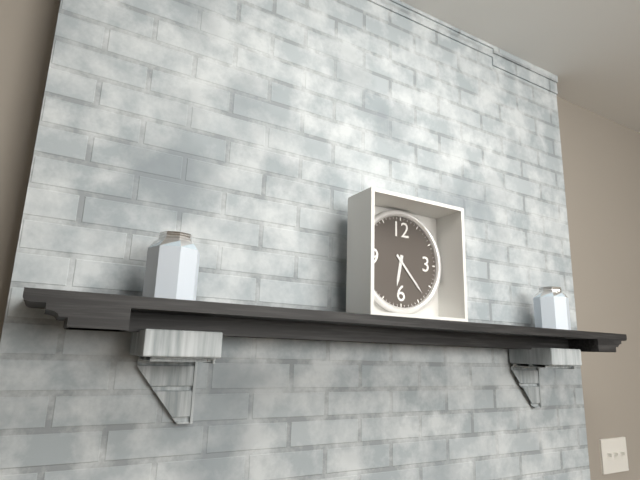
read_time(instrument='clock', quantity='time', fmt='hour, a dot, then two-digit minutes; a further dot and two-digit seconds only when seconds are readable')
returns 6.23
